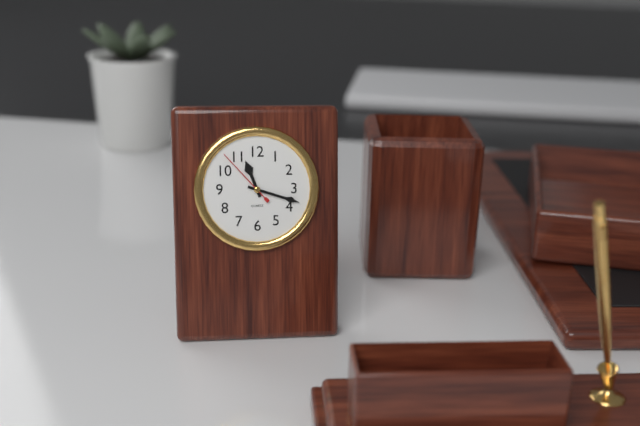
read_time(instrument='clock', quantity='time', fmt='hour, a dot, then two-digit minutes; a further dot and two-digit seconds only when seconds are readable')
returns 11.18.53
